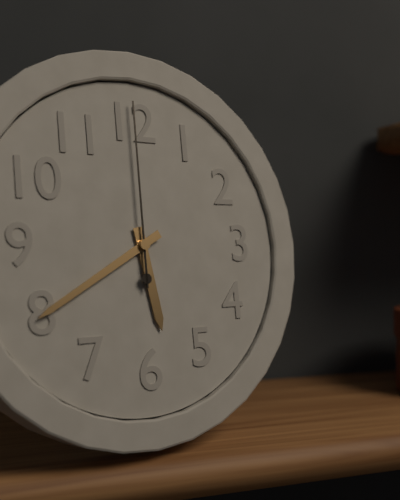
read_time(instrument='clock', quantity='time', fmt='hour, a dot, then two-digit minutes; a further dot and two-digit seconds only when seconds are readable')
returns 5.40.00
